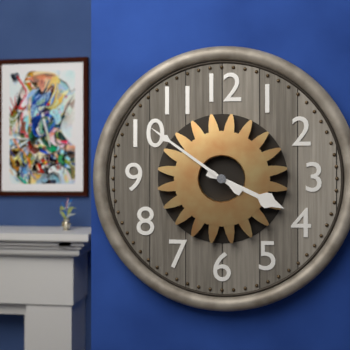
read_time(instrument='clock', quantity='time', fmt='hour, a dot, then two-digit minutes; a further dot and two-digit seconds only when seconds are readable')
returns 3.51
